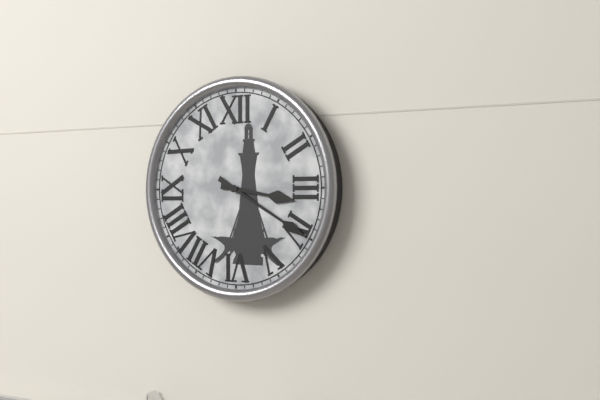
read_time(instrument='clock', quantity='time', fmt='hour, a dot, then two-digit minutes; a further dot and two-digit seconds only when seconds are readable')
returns 3.20
